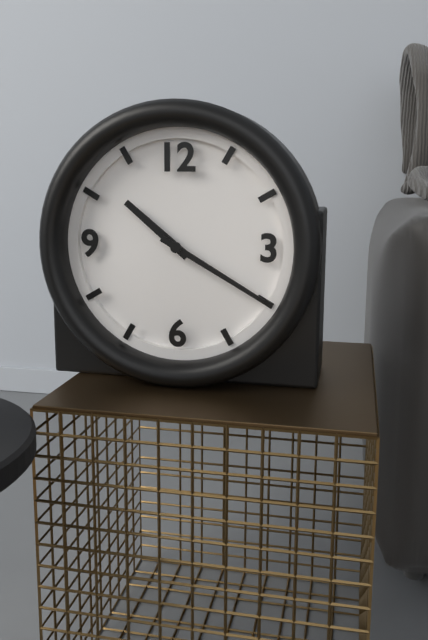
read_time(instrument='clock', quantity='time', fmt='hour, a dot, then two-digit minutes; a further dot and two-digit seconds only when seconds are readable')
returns 10.20
